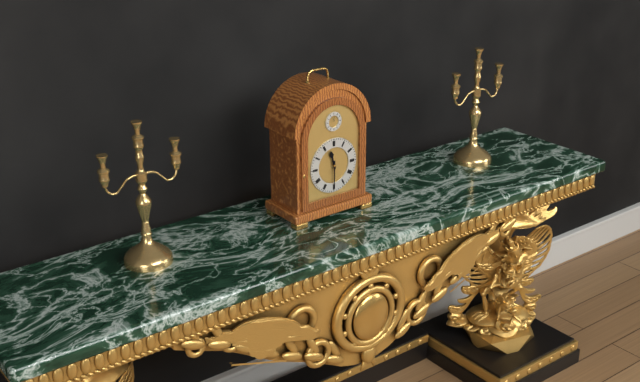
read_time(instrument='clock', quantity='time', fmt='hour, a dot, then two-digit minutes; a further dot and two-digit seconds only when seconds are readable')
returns 11.30
